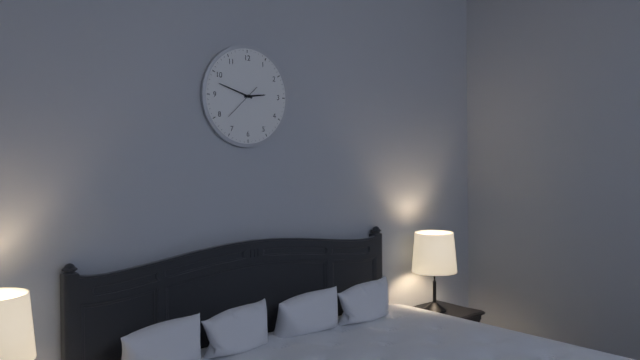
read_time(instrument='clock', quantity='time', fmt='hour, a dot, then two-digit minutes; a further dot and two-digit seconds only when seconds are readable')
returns 2.48
